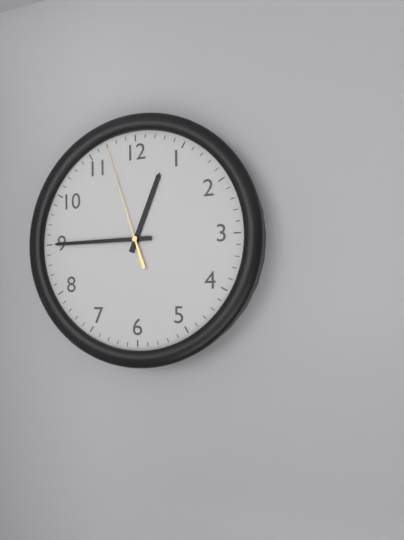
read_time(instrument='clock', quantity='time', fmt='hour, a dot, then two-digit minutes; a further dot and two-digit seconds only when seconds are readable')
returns 12.45.57
